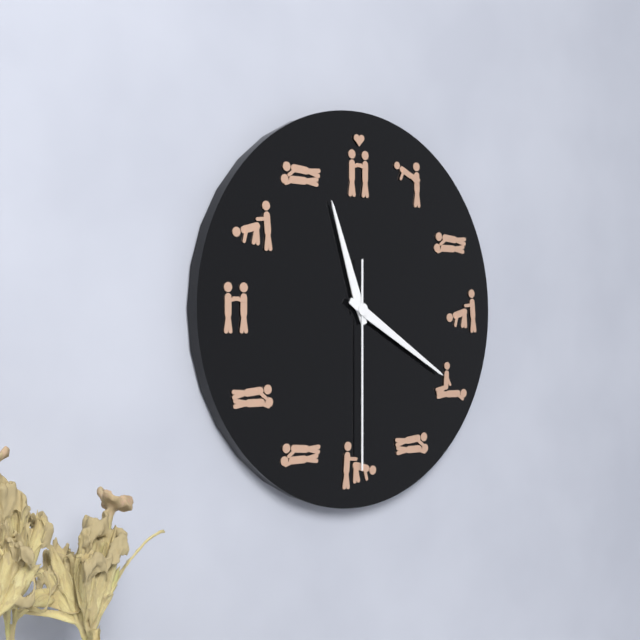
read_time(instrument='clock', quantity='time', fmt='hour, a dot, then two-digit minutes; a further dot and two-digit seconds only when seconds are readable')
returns 11.20.30
